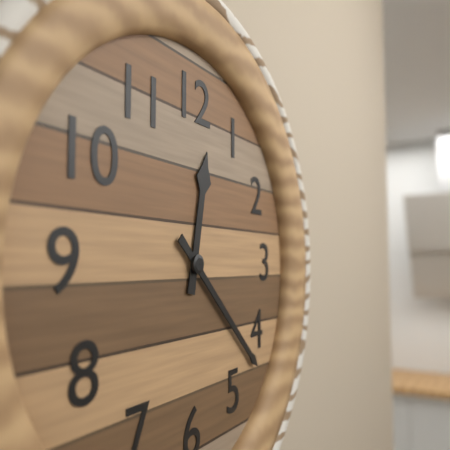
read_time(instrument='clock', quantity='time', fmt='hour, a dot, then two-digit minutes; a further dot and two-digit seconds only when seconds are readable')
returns 12.22
